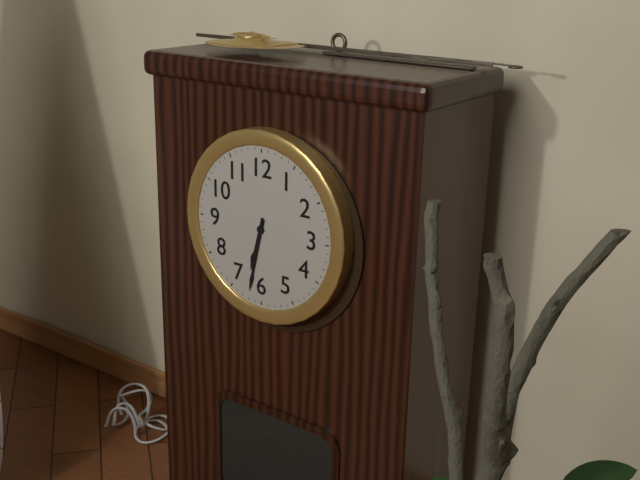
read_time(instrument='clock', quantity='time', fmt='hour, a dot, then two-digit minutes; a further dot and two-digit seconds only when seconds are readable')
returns 6.32
